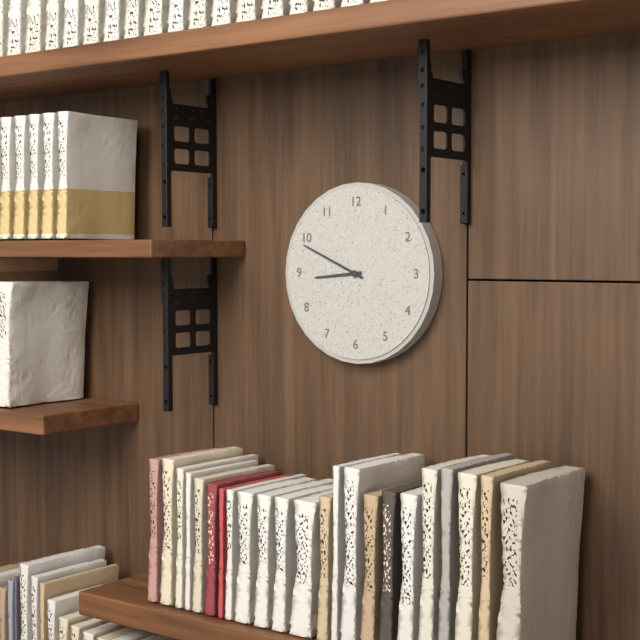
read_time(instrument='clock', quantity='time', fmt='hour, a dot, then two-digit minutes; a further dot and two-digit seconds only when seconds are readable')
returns 8.49
